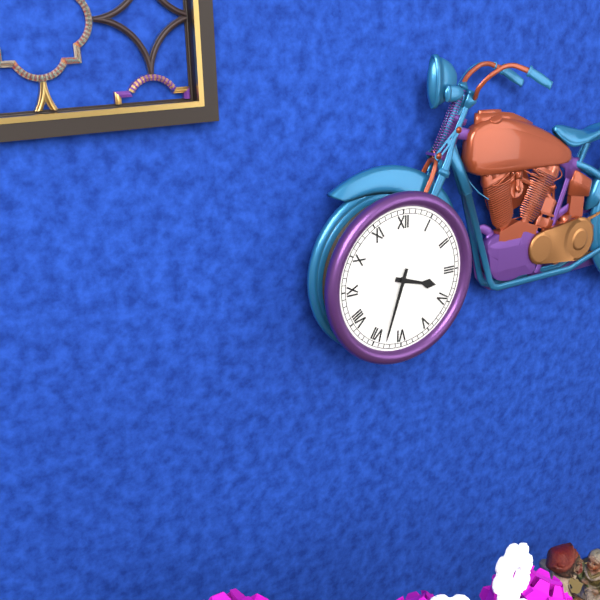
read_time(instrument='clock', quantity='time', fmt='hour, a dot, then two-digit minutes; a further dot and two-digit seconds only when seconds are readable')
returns 3.33
